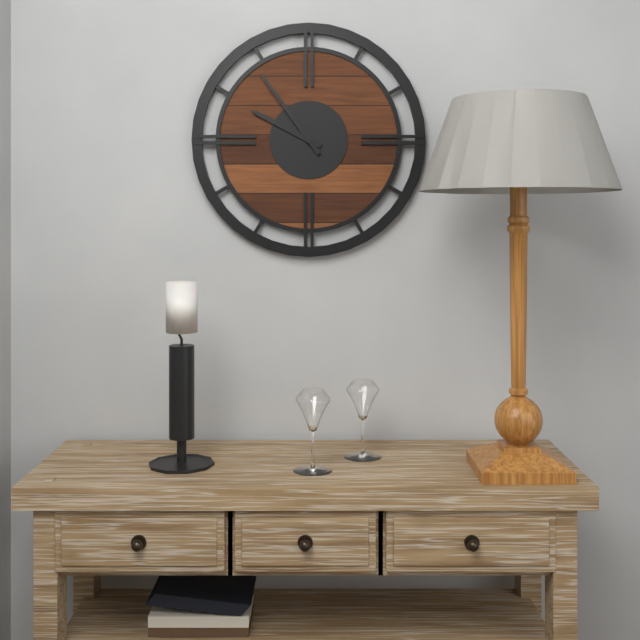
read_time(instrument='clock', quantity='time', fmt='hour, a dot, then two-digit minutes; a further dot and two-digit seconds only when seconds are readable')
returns 9.54
